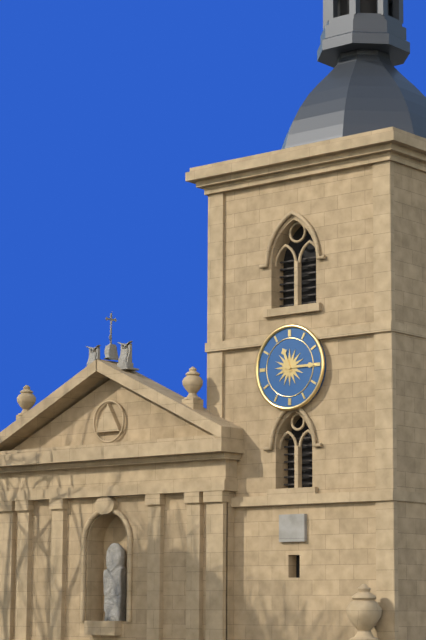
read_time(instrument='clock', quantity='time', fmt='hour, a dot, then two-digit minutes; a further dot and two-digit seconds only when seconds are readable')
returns 11.15
